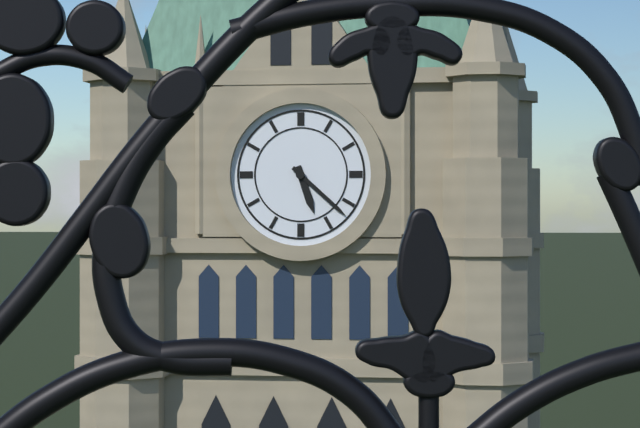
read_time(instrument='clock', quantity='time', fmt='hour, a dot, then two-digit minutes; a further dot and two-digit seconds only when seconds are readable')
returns 5.22
